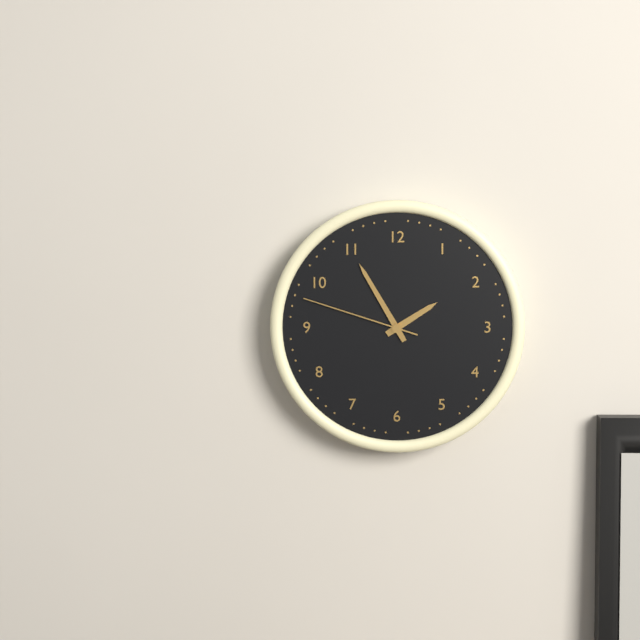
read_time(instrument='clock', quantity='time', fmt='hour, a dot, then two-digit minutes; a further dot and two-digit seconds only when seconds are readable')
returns 1.55.48
